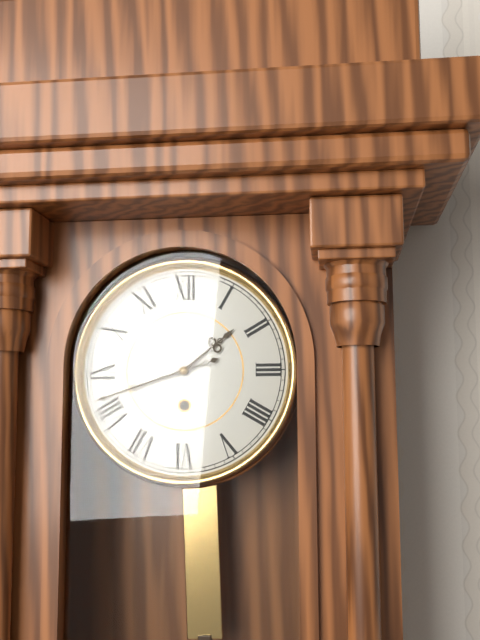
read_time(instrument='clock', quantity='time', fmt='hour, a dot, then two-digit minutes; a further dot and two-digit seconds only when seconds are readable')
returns 1.42
